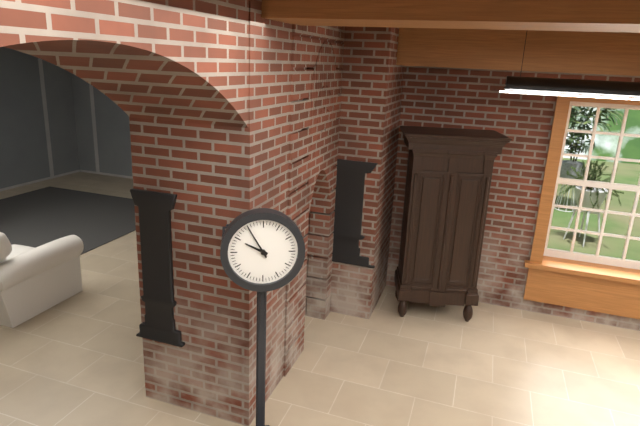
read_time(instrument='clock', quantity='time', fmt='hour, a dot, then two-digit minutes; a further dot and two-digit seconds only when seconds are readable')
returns 9.55
